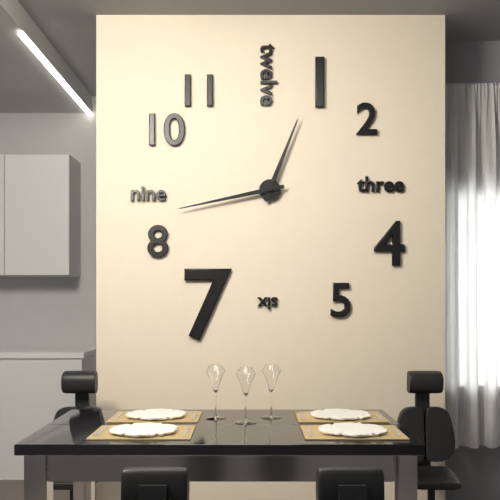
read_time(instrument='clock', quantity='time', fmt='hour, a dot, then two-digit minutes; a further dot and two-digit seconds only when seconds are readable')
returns 12.43
